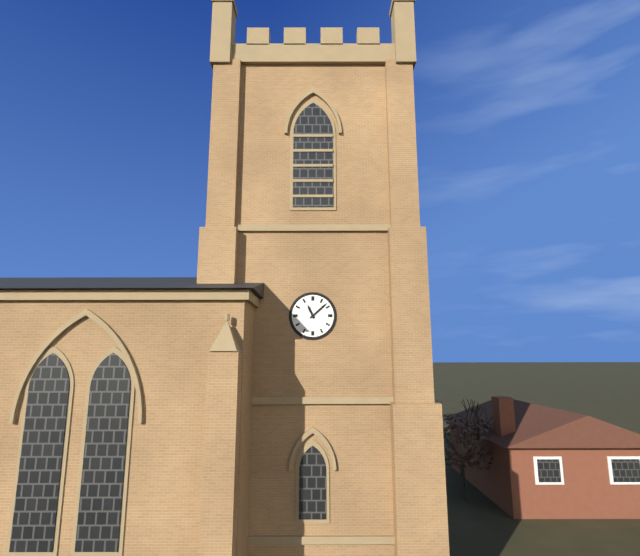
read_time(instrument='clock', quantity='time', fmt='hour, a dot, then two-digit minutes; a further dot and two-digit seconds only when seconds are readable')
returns 11.08
